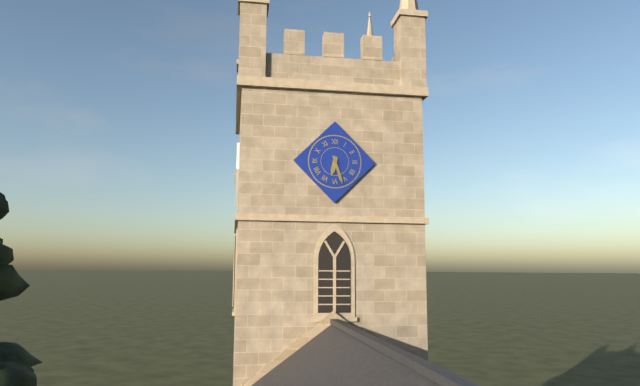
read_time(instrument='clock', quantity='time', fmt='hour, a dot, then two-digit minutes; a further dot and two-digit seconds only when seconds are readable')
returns 6.27
